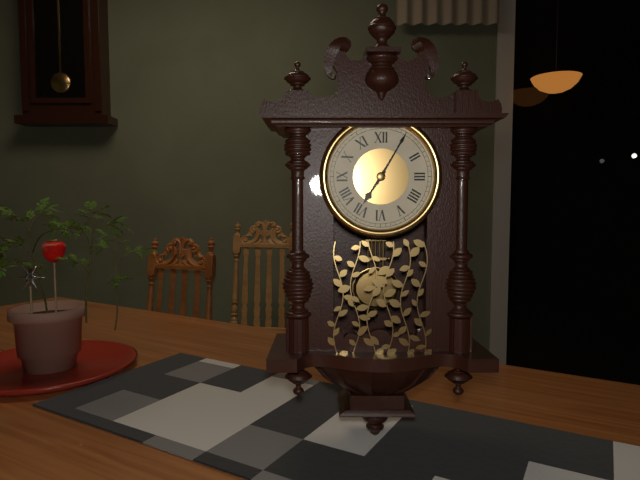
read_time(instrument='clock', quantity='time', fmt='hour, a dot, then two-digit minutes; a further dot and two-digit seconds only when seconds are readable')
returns 7.05
